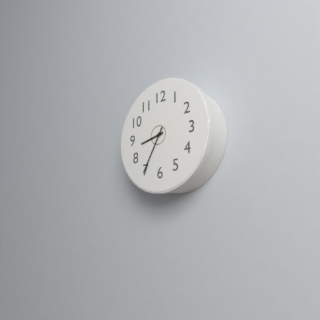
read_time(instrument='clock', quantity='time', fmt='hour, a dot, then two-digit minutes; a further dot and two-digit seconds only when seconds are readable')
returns 8.35
